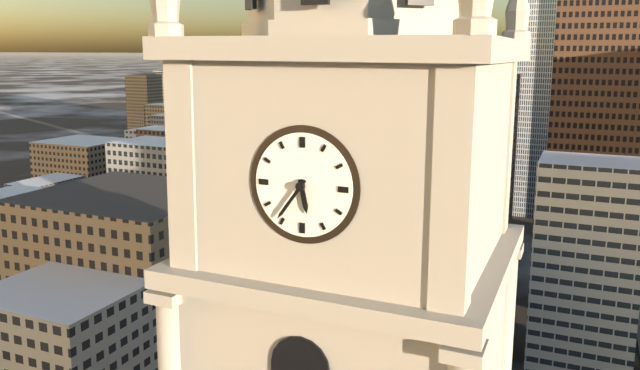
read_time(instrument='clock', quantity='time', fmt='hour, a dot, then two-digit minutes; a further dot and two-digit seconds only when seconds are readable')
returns 5.36
